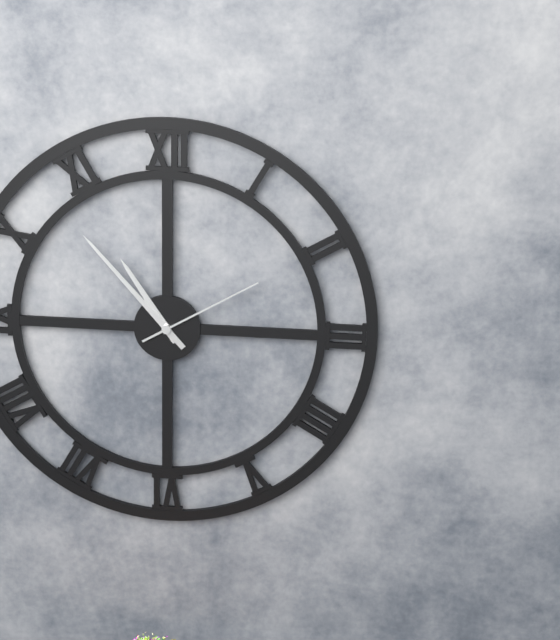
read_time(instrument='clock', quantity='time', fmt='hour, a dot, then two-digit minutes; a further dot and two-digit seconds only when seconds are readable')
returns 10.53.10
